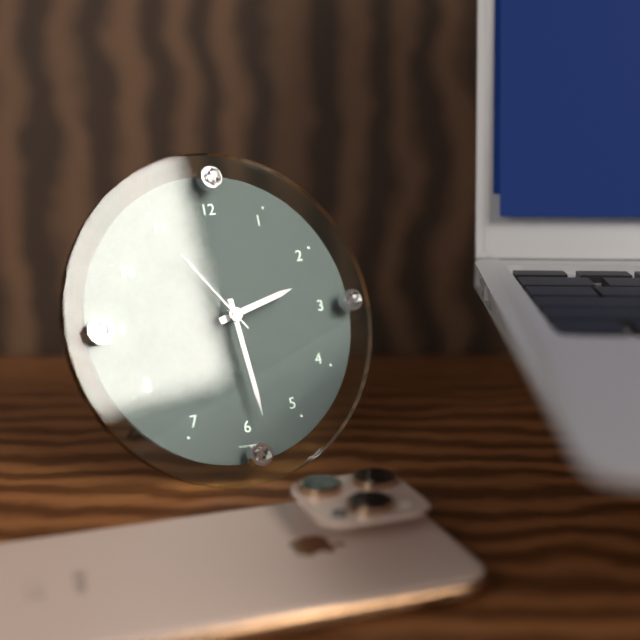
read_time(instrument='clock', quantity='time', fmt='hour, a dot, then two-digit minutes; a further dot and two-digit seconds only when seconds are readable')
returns 2.29.54
